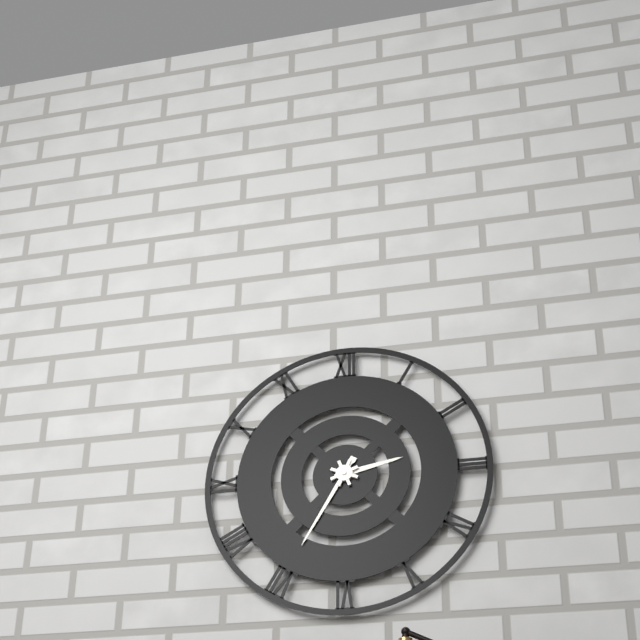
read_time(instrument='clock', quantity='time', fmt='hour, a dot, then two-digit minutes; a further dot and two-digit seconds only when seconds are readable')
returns 2.35
